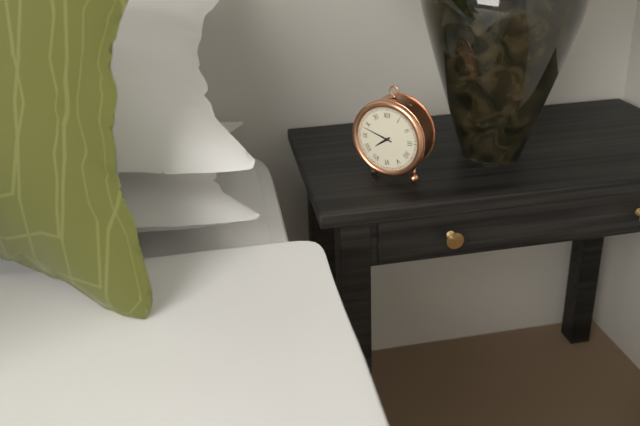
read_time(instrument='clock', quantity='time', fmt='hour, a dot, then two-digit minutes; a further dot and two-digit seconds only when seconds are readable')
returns 7.48
